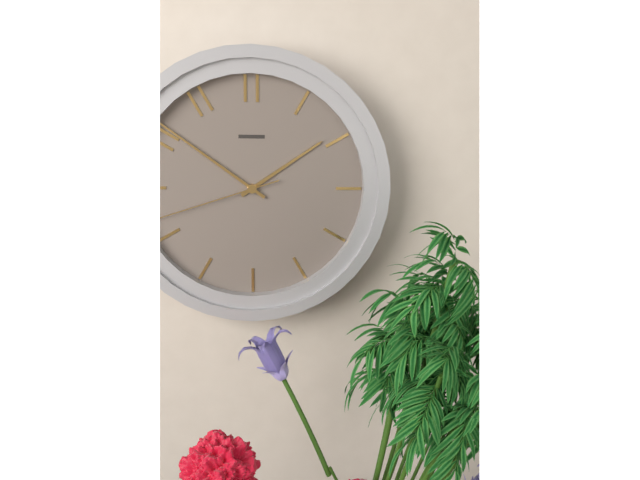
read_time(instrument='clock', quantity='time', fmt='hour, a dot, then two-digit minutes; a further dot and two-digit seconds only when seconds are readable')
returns 1.51.42
